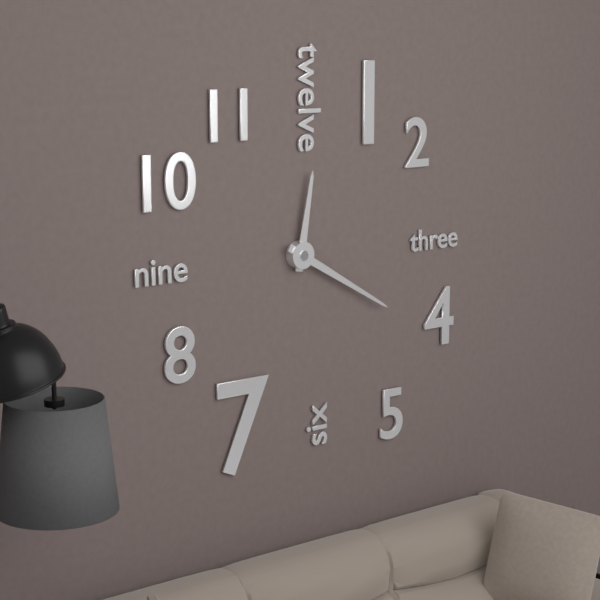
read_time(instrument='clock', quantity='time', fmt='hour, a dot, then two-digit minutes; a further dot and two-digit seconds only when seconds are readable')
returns 12.20
